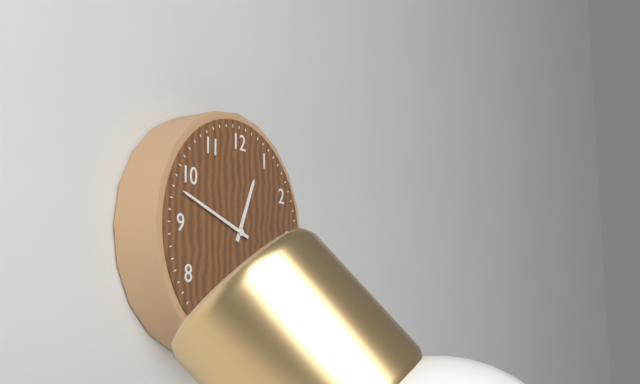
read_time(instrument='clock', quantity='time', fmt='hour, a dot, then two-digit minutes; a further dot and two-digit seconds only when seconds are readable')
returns 12.48
